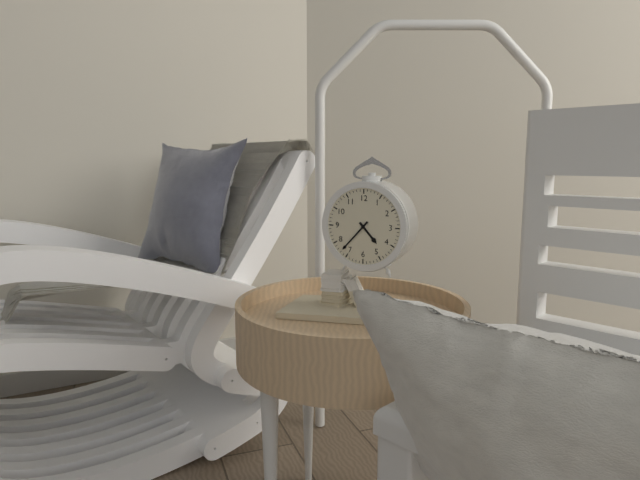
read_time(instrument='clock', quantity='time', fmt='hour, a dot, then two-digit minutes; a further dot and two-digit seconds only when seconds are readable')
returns 4.37
